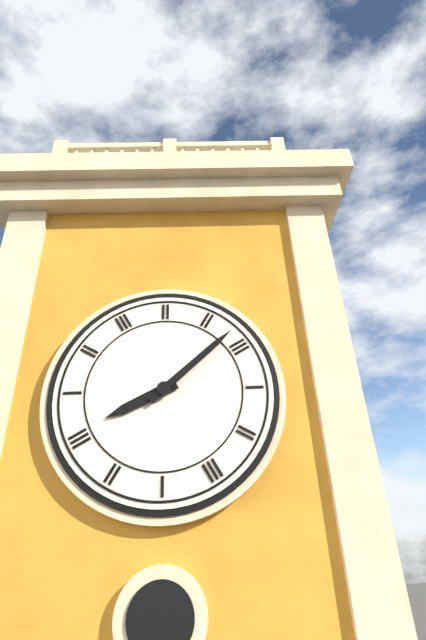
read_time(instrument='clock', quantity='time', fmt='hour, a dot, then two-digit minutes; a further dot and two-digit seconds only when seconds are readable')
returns 8.08
